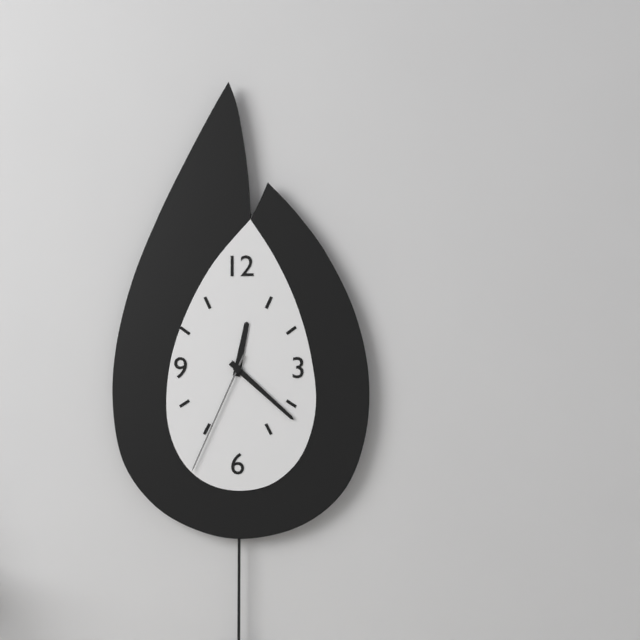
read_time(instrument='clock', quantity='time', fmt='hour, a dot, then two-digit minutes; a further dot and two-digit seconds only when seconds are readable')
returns 12.22.34
